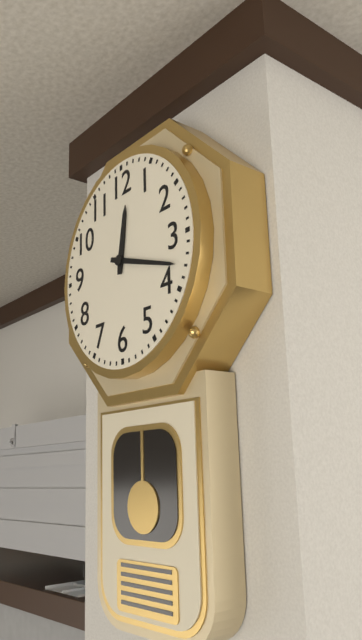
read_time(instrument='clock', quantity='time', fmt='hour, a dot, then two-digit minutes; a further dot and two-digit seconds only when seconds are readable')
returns 12.18
